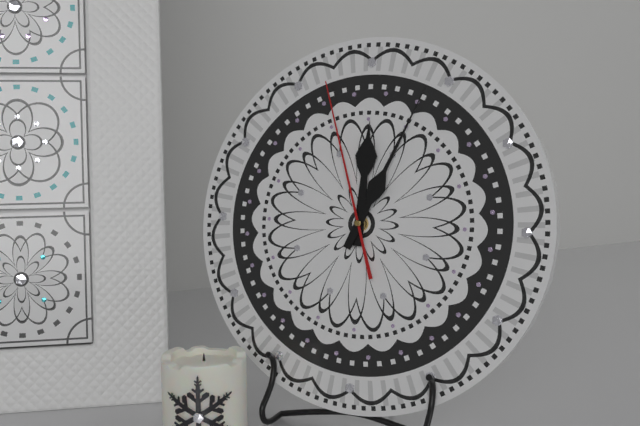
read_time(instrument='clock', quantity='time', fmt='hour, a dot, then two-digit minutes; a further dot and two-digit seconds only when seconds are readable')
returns 12.04.57
